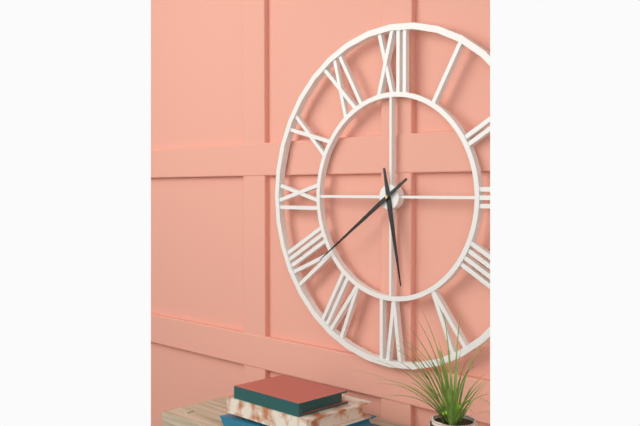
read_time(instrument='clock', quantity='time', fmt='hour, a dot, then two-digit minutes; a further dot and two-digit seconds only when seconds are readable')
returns 5.39
